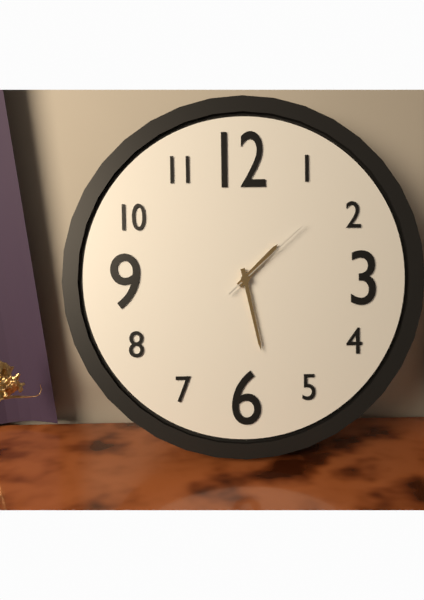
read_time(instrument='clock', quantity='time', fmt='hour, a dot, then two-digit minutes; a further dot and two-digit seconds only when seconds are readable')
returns 1.28.08
